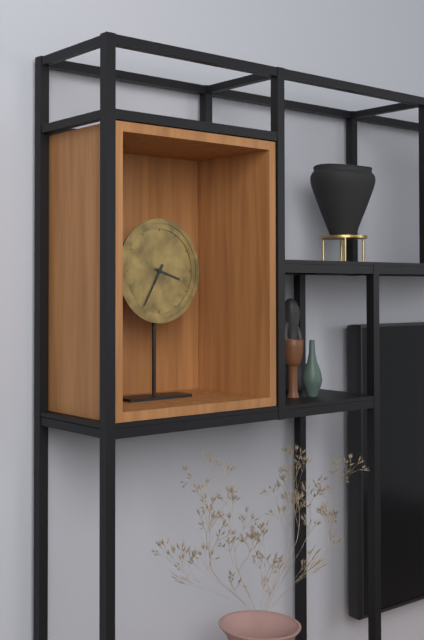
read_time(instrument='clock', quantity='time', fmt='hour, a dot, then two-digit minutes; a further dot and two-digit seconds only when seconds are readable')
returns 3.35
